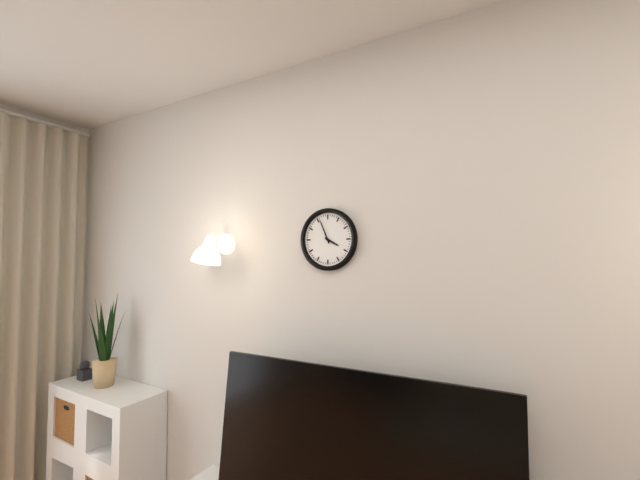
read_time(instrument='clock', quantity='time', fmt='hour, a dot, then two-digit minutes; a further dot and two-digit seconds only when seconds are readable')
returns 3.56
